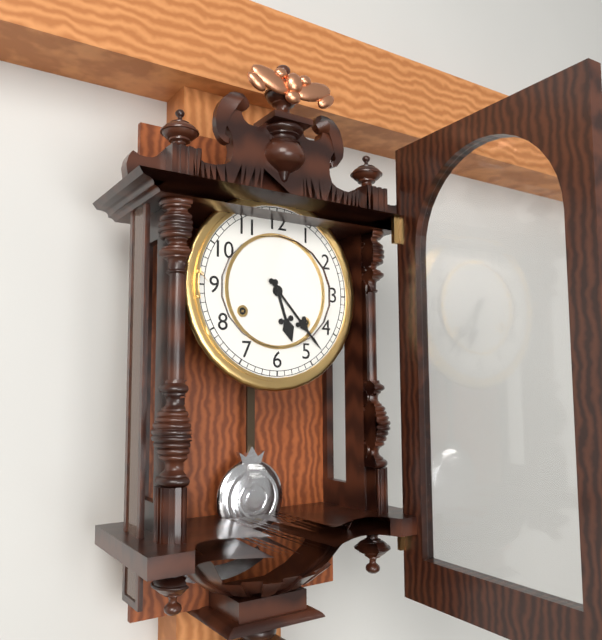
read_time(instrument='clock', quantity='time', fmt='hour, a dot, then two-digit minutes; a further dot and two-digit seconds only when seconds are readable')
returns 5.23
